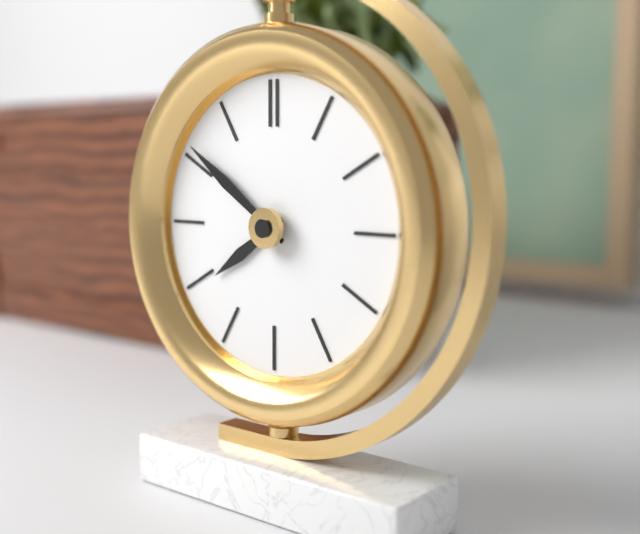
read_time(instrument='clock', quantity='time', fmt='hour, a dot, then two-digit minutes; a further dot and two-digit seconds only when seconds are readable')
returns 7.51
